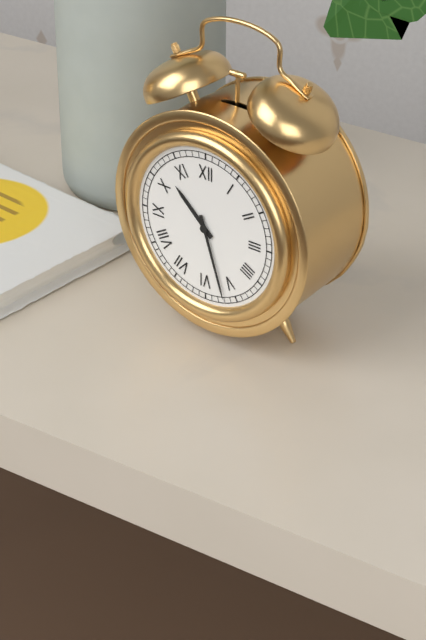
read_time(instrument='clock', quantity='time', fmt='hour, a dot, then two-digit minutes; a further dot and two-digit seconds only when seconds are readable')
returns 10.27
